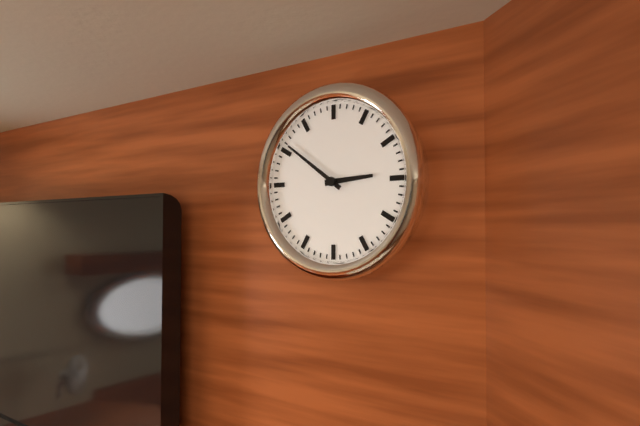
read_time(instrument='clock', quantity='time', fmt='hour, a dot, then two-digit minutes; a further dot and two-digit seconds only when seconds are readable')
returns 2.51
